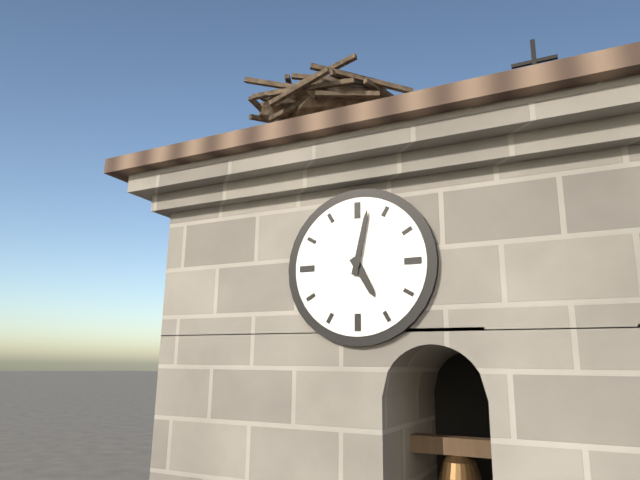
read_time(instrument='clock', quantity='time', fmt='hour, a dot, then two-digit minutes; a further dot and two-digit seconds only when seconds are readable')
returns 5.02
